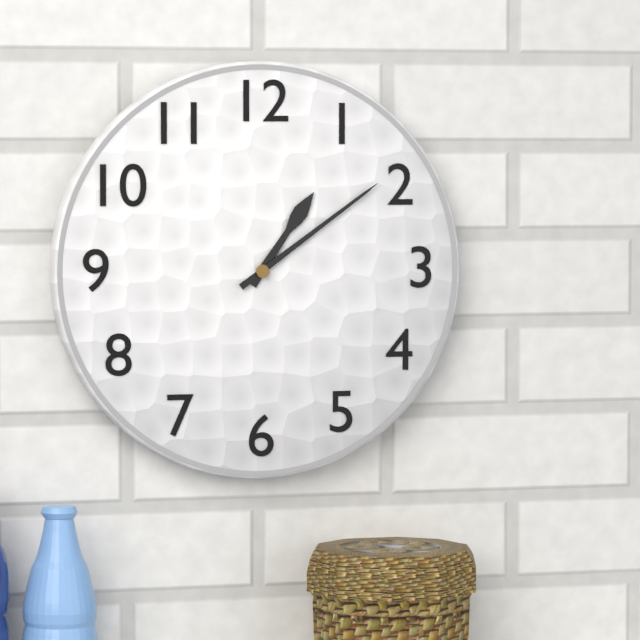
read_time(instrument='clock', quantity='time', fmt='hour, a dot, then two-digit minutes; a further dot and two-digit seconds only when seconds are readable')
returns 1.09
